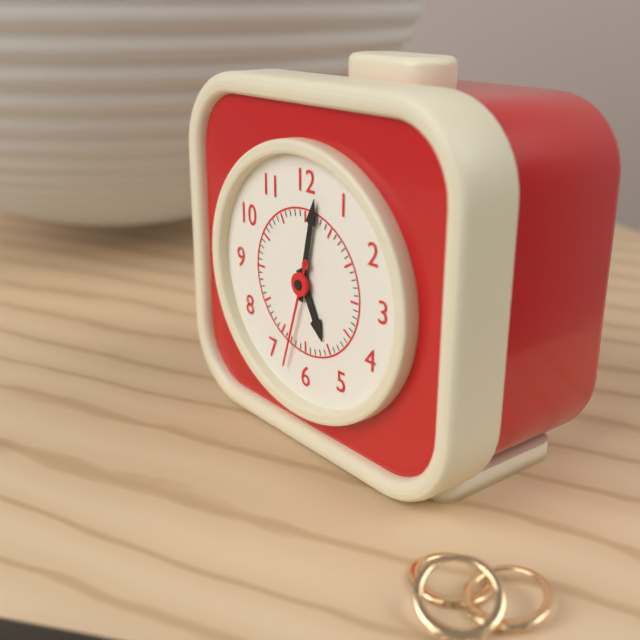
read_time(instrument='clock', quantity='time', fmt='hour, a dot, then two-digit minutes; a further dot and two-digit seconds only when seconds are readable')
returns 5.02.33
